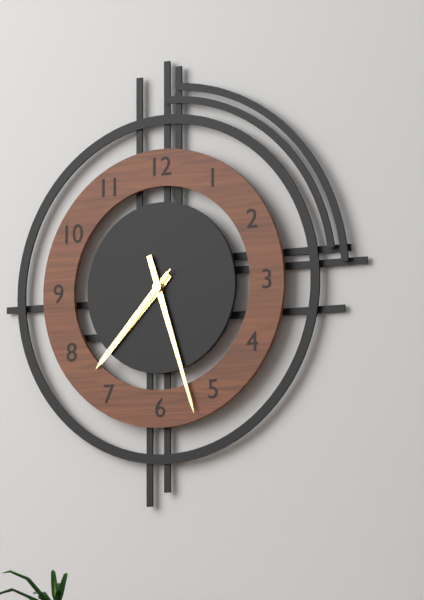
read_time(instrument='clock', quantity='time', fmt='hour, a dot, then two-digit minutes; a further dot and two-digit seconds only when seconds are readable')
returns 7.27.37
